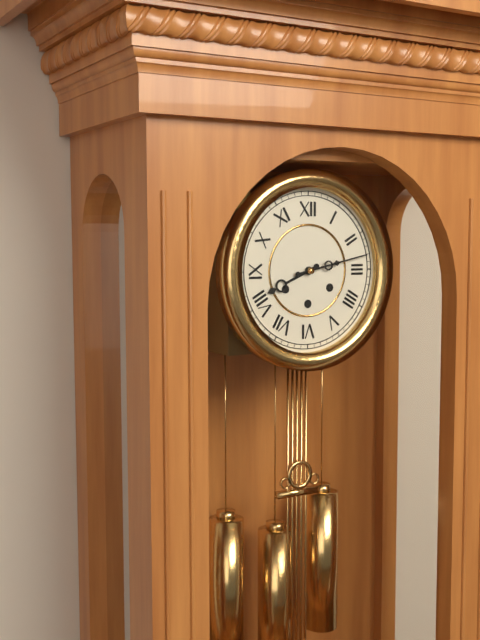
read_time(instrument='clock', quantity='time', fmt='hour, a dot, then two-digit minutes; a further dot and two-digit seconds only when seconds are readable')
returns 8.13
